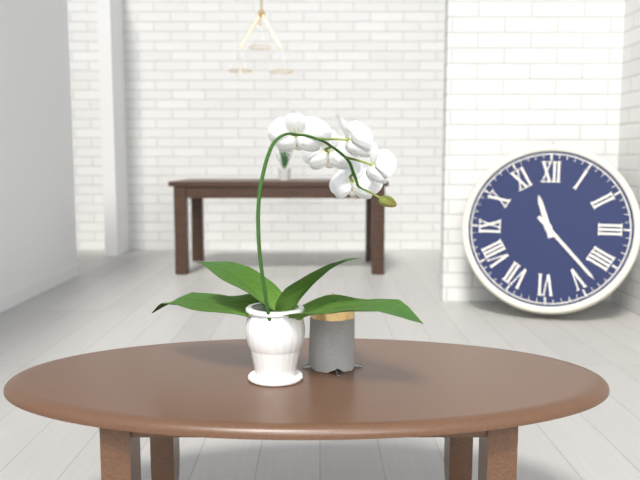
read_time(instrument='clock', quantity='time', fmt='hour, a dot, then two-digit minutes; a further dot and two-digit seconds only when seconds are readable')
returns 11.23
